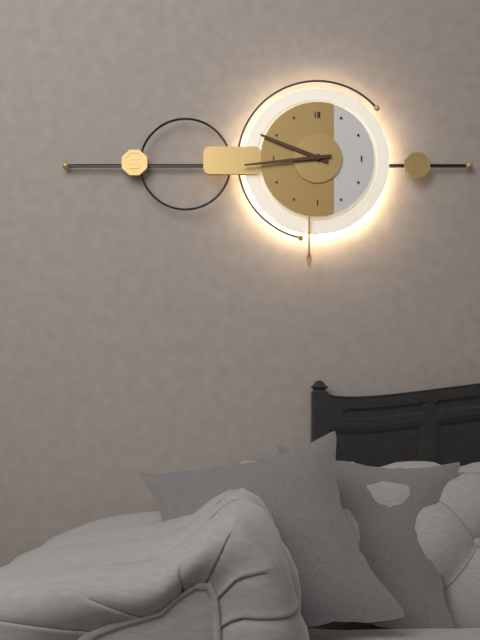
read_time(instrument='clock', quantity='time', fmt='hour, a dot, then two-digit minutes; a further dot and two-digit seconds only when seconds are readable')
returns 9.44
